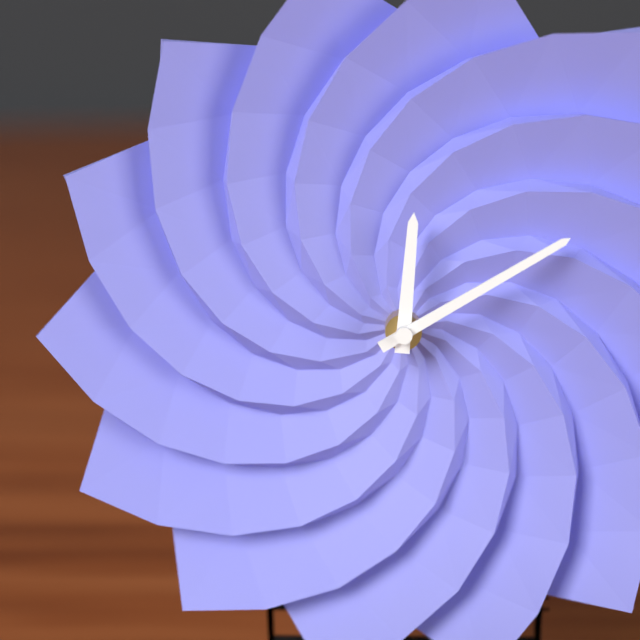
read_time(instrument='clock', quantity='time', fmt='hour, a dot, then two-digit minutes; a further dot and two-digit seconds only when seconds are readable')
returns 12.10
